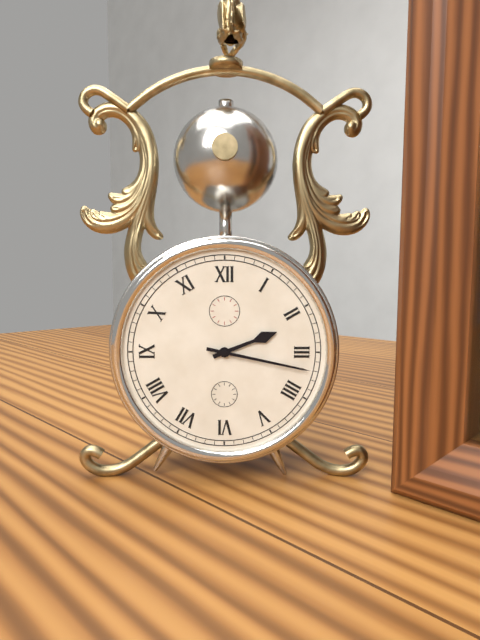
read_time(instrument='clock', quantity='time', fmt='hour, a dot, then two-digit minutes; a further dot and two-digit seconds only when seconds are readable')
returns 2.17
